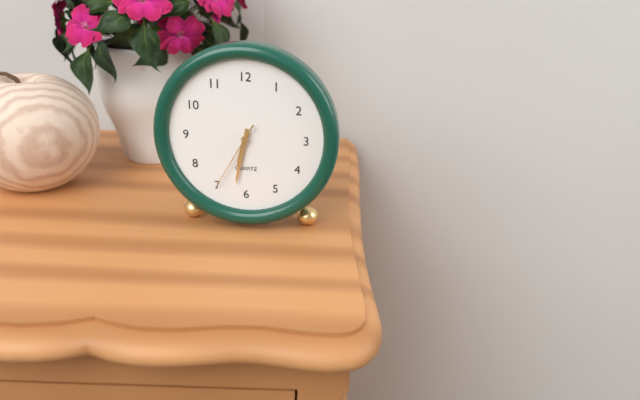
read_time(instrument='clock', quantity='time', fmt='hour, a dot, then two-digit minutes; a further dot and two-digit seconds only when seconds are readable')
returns 6.32.35
